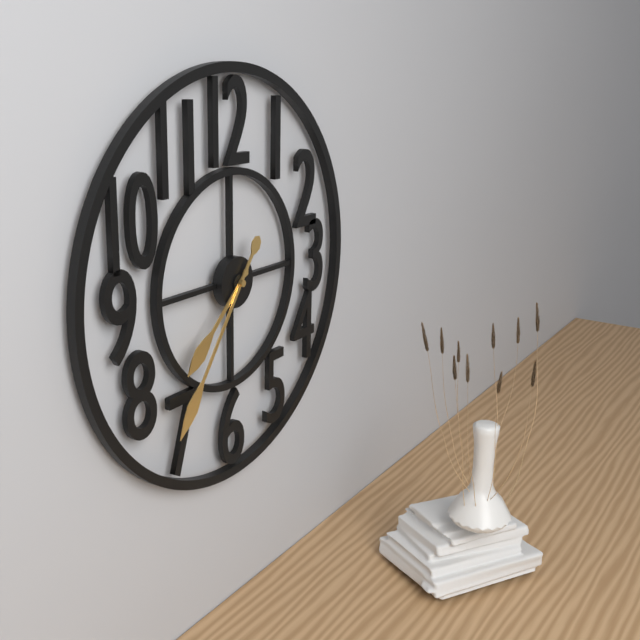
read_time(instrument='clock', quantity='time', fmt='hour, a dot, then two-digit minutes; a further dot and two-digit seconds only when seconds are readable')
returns 7.36
